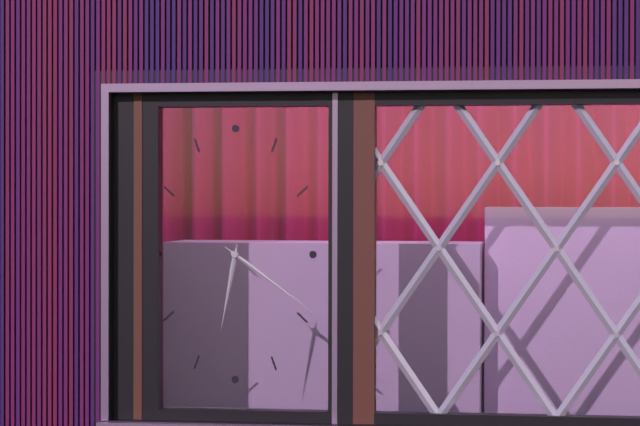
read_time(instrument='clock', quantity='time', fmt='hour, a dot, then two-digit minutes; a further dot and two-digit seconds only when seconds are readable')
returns 6.21
